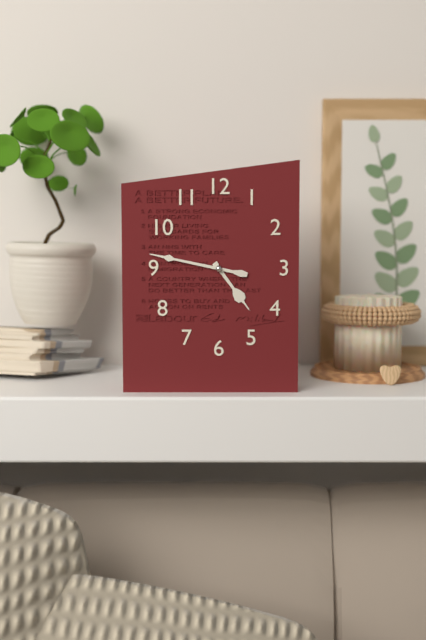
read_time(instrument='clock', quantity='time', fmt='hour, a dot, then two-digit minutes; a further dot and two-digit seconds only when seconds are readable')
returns 4.47
